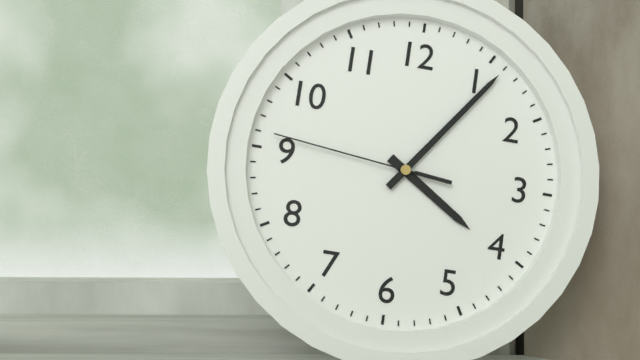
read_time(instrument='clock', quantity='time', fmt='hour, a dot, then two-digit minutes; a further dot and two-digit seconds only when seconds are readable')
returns 4.06.46
